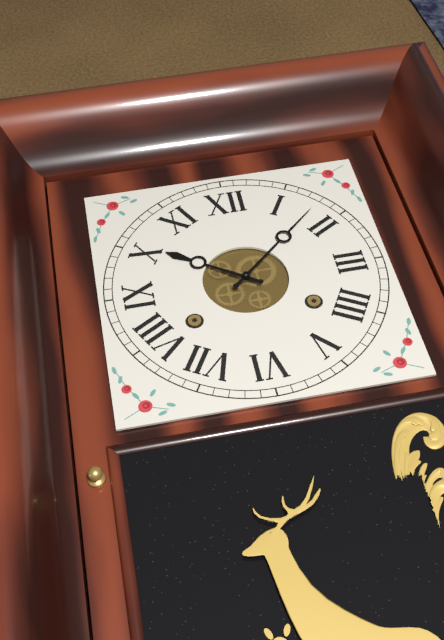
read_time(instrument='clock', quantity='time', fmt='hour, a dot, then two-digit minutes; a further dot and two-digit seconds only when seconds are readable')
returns 10.08
